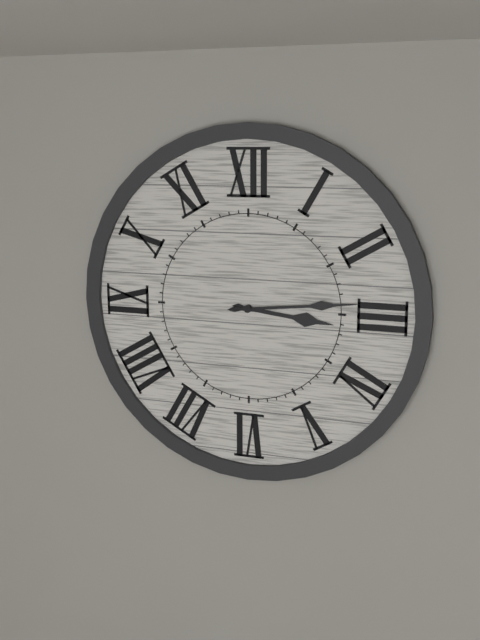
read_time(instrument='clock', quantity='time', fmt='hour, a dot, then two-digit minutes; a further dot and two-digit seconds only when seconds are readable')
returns 3.14
